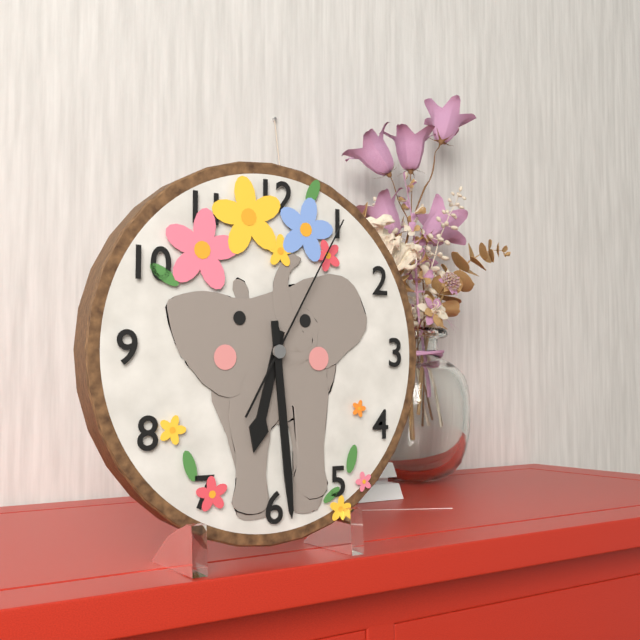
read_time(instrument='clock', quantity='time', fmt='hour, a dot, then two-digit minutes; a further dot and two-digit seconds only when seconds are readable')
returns 6.29.05
